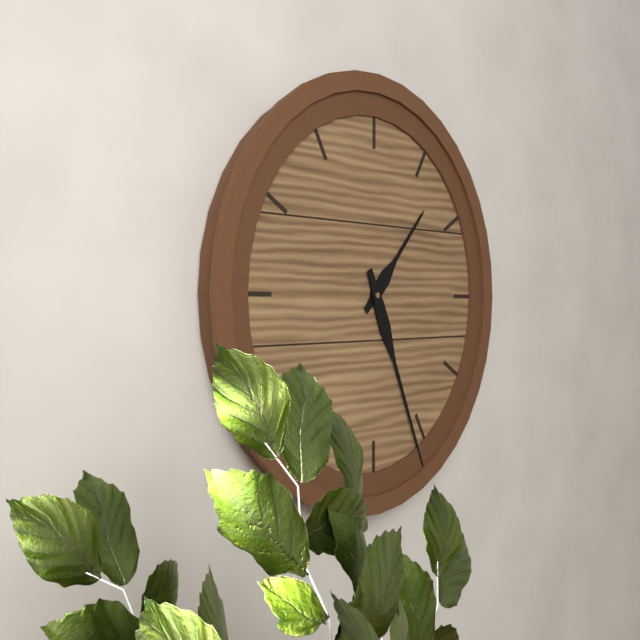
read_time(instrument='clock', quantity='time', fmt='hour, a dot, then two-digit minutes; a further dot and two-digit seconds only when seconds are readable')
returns 1.26
